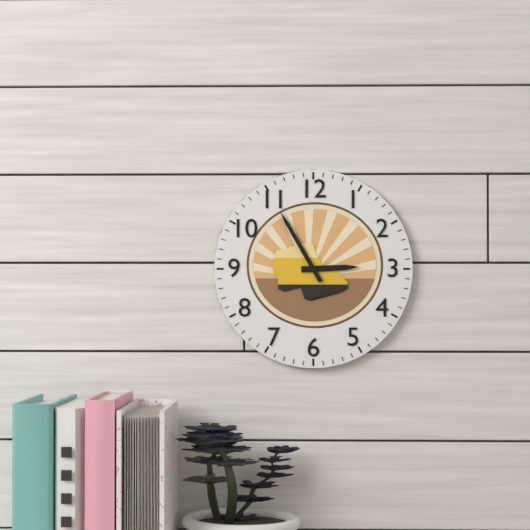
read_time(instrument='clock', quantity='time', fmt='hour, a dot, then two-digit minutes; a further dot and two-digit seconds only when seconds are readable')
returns 2.55
